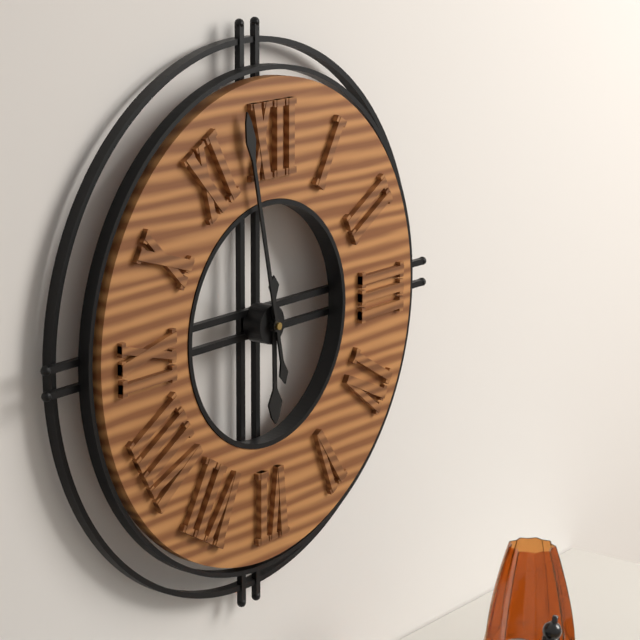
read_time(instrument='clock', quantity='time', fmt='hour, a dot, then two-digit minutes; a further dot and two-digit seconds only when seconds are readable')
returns 5.58
